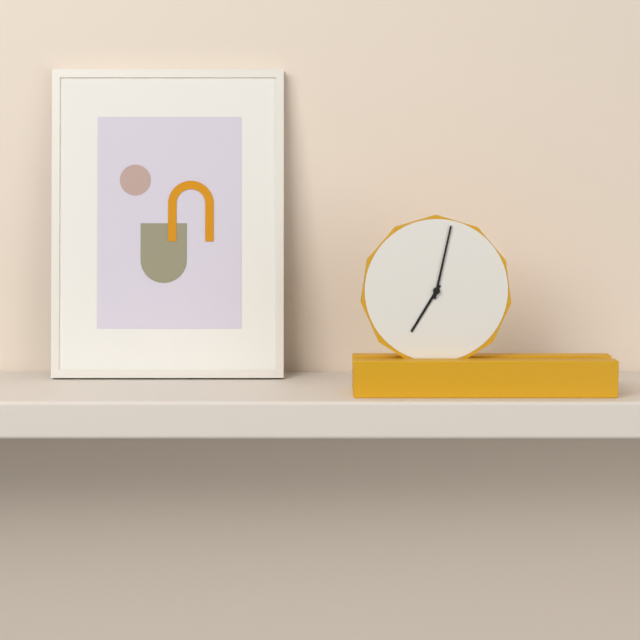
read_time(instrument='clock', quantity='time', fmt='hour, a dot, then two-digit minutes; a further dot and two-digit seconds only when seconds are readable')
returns 7.02
